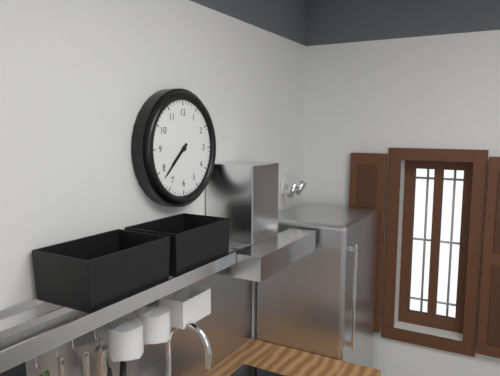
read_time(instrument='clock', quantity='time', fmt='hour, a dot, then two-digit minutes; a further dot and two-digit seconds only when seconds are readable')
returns 7.38
